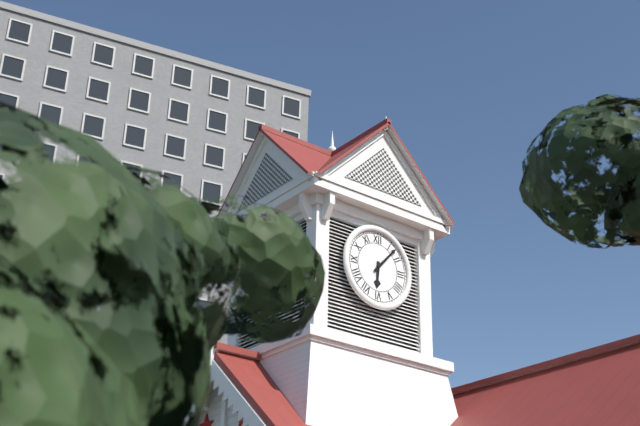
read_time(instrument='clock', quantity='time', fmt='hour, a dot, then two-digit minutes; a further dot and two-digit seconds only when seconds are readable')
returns 6.07
